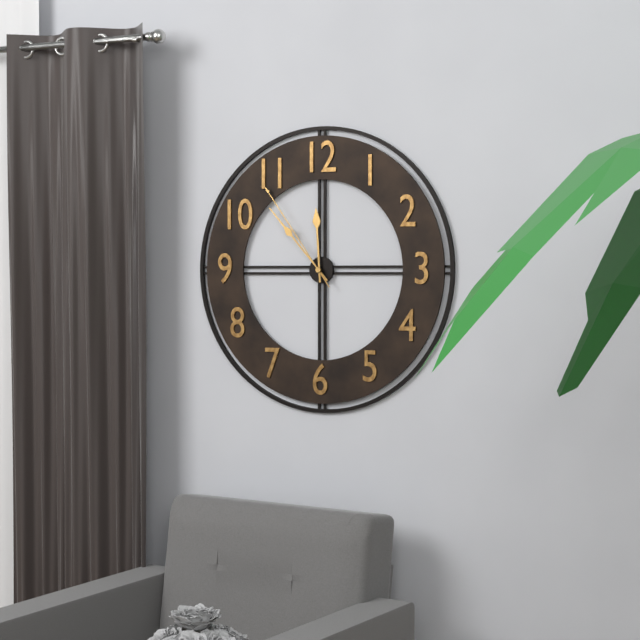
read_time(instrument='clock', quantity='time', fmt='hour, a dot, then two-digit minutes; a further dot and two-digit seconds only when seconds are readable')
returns 11.53.54
